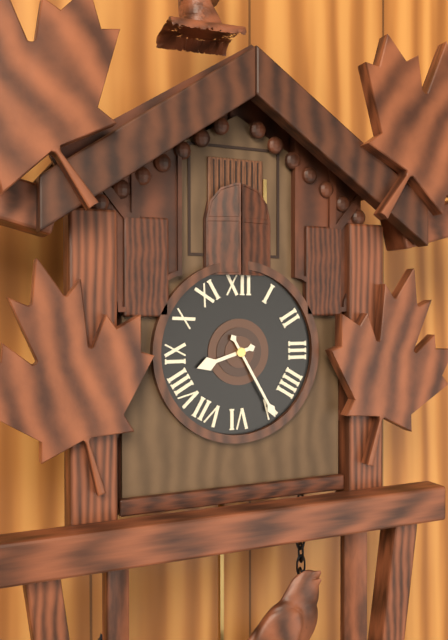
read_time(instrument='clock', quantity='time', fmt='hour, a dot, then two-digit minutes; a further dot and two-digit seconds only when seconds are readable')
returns 8.25
